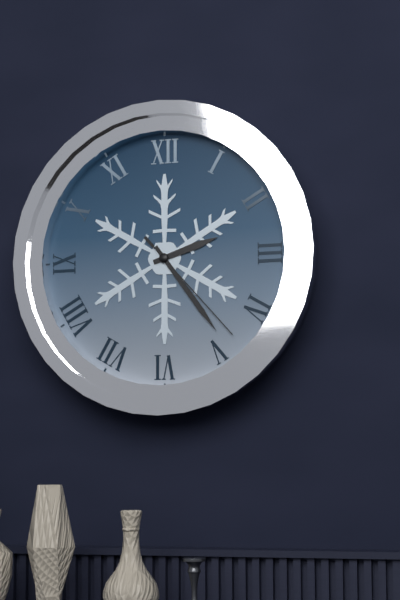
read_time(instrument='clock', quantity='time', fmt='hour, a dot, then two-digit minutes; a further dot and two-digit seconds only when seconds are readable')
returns 2.24.23
